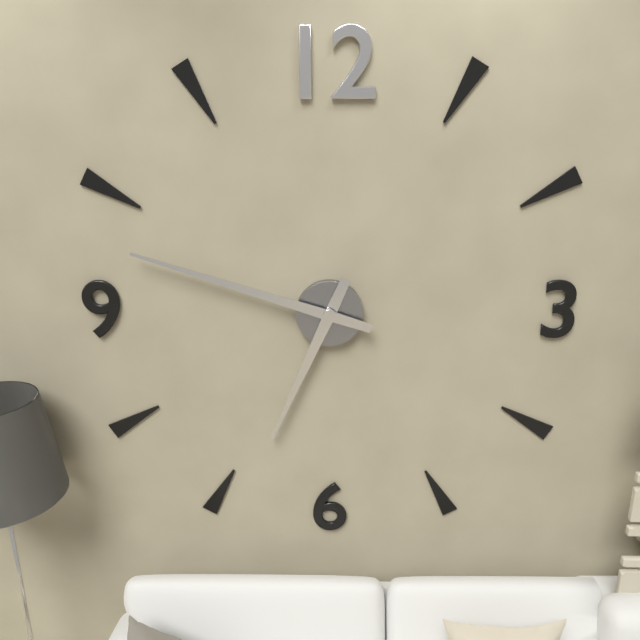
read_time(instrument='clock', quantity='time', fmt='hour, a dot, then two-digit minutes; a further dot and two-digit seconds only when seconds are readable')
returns 6.48
